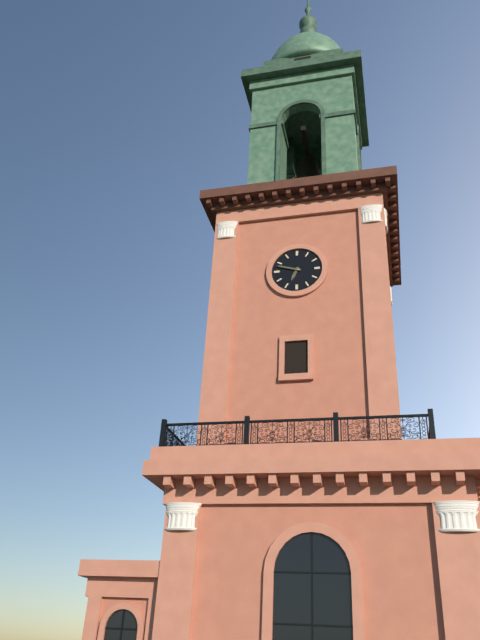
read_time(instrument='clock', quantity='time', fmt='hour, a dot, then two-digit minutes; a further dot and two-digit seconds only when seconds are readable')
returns 6.48
